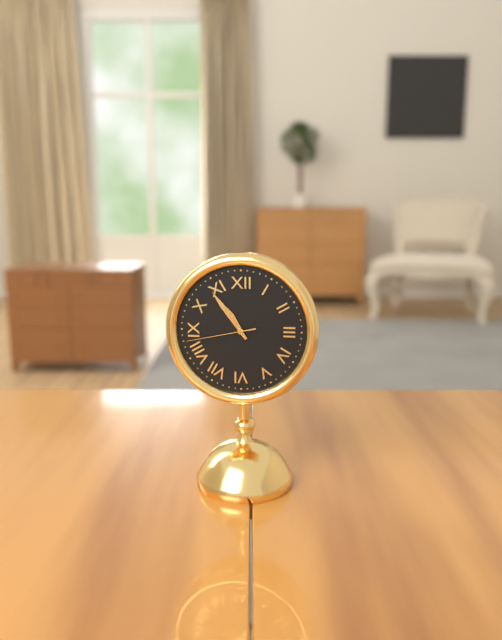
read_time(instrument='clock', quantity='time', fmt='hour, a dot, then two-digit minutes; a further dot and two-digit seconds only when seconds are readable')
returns 10.54.43
